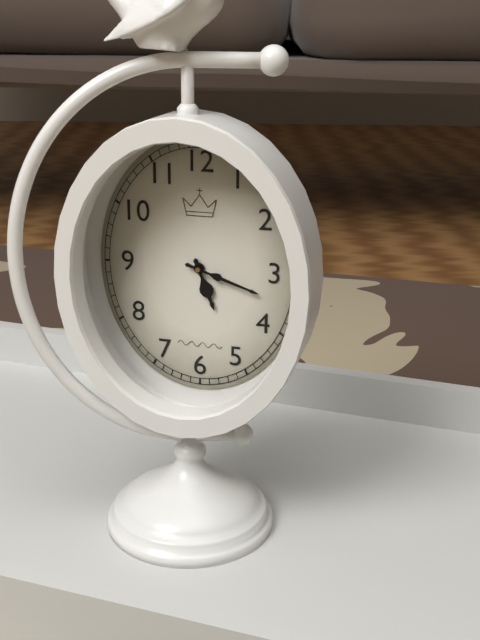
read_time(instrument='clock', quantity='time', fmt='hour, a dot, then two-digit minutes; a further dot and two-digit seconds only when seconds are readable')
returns 5.18
